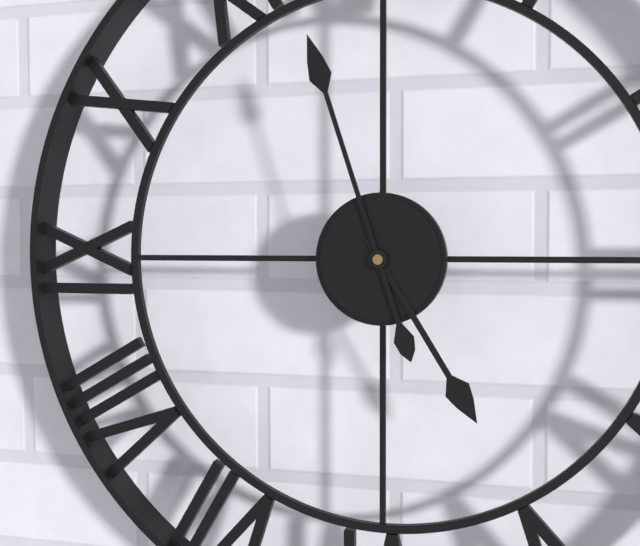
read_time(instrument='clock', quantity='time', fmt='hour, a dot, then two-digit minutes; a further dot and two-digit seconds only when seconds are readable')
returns 4.57
